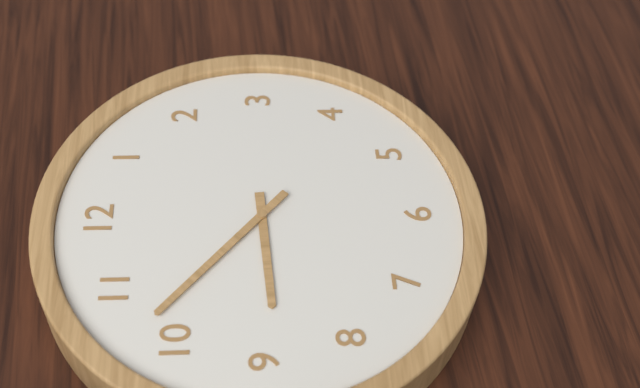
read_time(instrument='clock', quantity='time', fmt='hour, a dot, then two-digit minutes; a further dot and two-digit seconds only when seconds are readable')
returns 8.52
